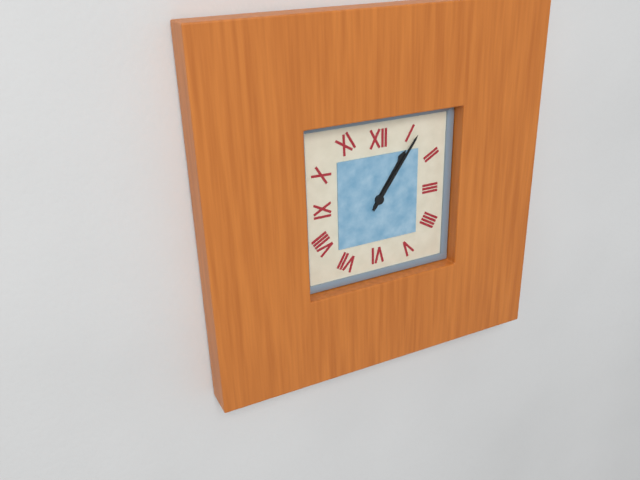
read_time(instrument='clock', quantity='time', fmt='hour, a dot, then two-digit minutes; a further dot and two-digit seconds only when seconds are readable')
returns 1.06
